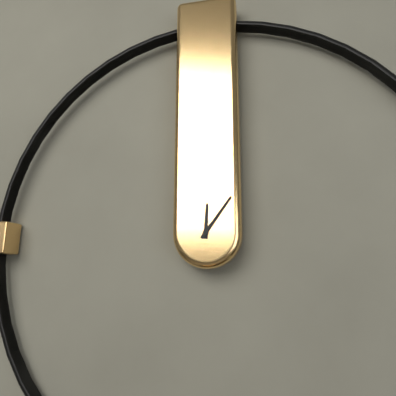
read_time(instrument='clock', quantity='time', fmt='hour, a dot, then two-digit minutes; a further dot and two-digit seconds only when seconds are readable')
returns 12.06
